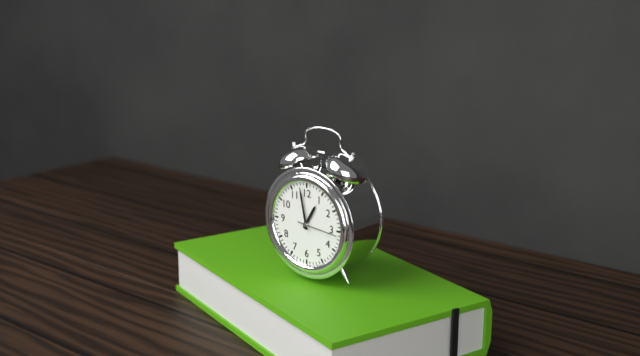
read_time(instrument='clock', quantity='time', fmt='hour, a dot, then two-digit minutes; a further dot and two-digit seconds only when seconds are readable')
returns 12.58
